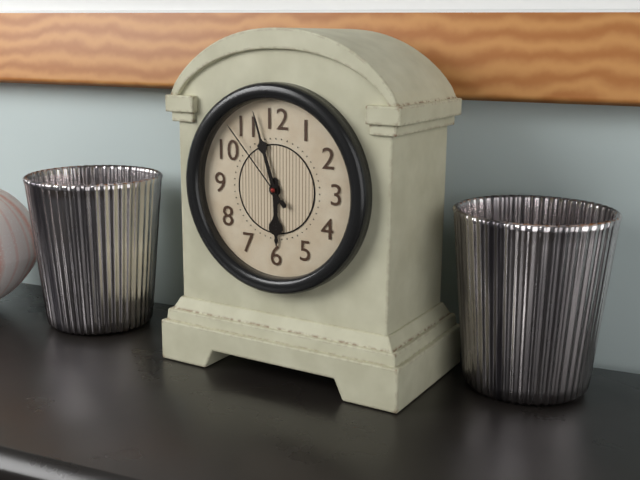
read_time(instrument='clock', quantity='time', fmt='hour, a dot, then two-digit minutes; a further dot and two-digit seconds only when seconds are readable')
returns 5.57.53
